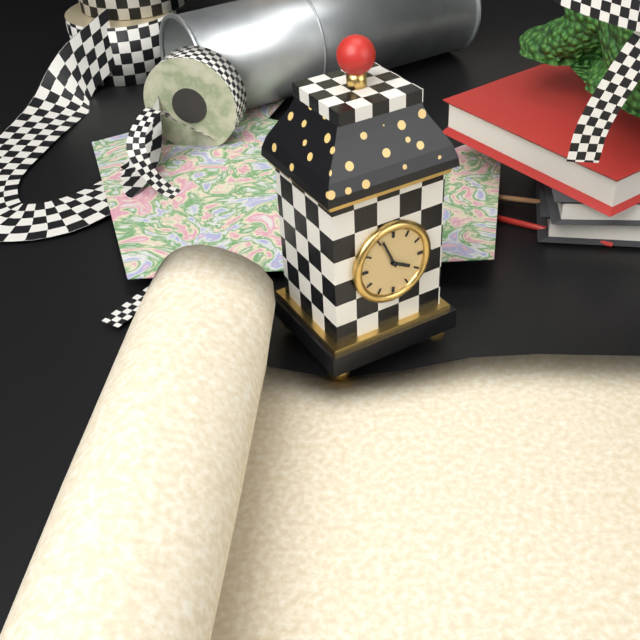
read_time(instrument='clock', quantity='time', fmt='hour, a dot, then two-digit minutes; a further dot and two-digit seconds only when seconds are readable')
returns 3.56
